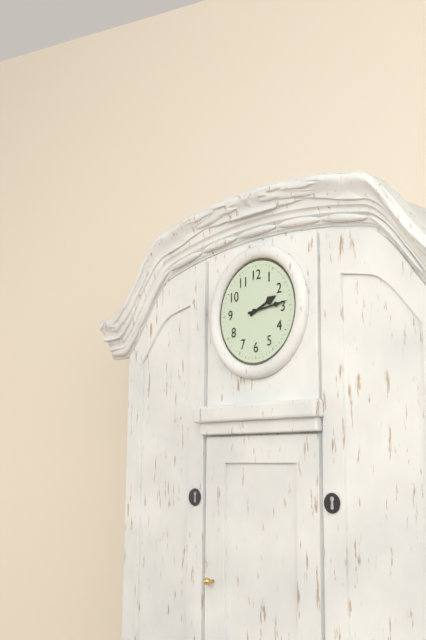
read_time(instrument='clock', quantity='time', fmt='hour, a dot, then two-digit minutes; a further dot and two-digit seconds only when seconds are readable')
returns 2.14
